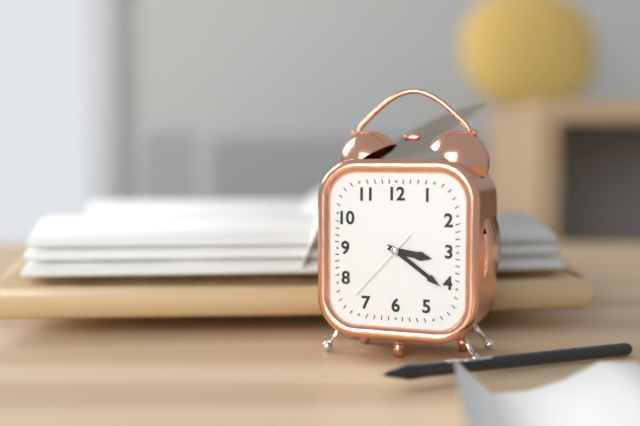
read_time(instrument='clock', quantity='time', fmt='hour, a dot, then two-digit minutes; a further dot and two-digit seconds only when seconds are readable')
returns 3.21.37
